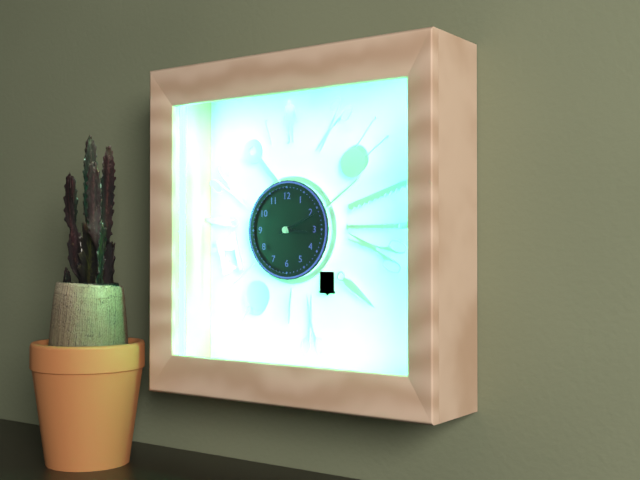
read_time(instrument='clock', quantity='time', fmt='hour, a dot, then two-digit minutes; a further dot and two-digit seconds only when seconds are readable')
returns 3.11
